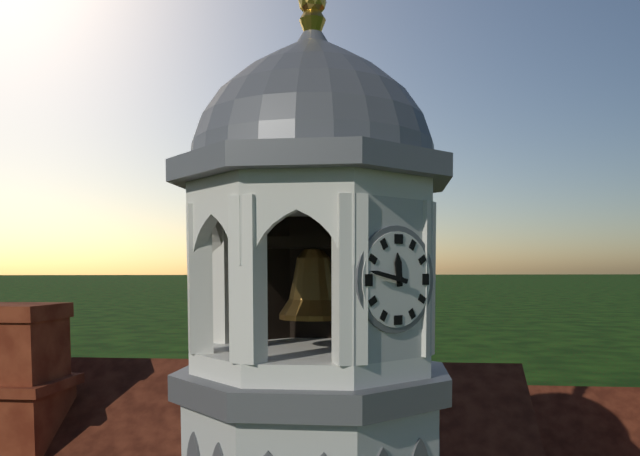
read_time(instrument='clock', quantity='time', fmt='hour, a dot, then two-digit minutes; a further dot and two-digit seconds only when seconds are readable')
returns 11.47
